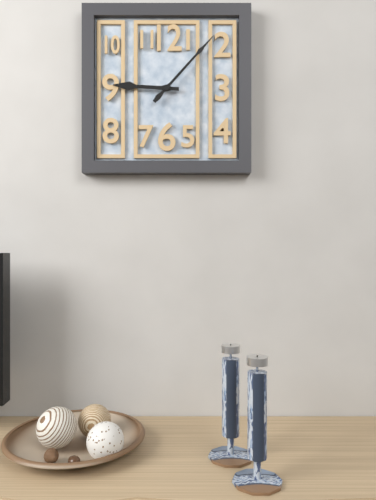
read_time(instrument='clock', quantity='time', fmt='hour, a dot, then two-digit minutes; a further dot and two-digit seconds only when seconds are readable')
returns 9.07
